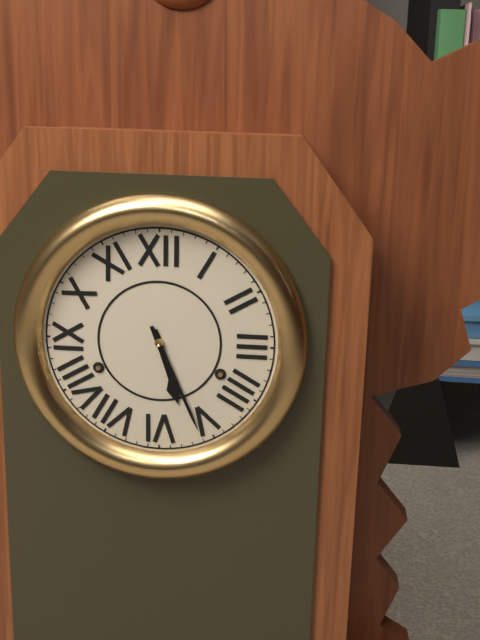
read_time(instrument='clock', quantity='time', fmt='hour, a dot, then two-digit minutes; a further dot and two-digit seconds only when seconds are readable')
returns 5.26
